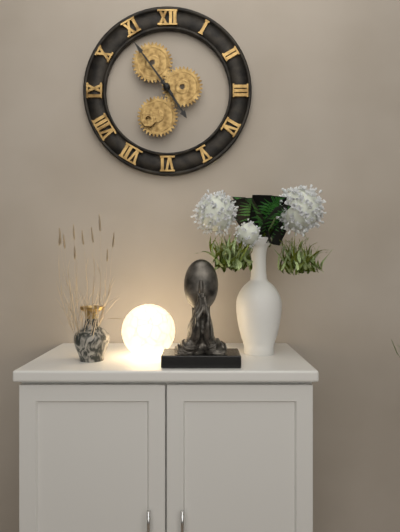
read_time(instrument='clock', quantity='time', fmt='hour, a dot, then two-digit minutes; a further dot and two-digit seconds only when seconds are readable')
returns 4.54
